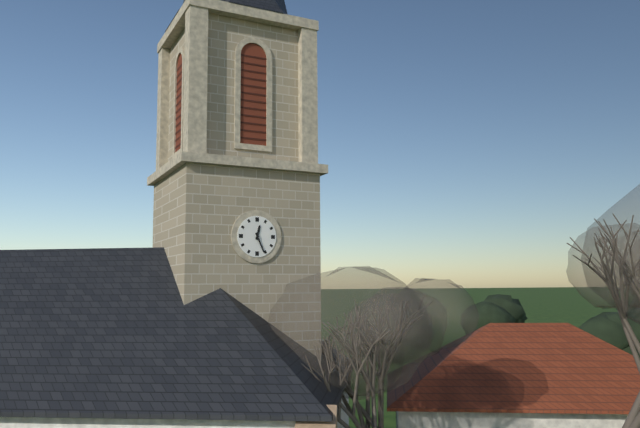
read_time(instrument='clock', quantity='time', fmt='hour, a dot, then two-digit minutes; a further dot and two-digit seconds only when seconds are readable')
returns 12.26
